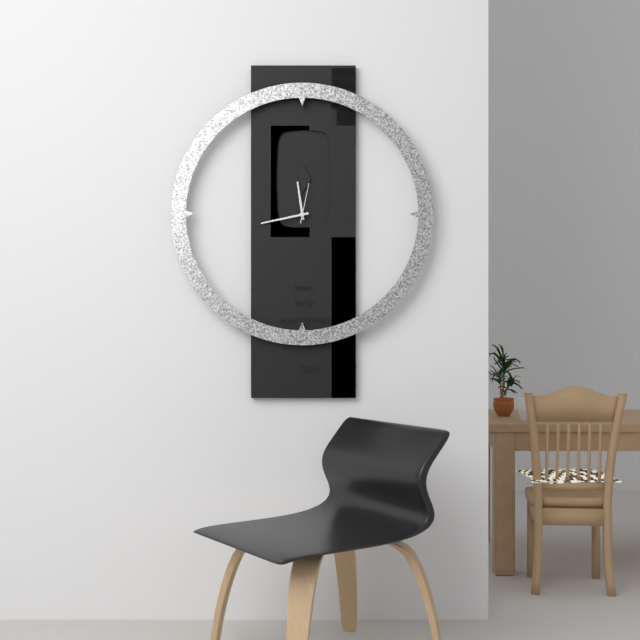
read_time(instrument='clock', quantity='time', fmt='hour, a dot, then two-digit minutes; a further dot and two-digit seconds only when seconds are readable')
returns 11.43
